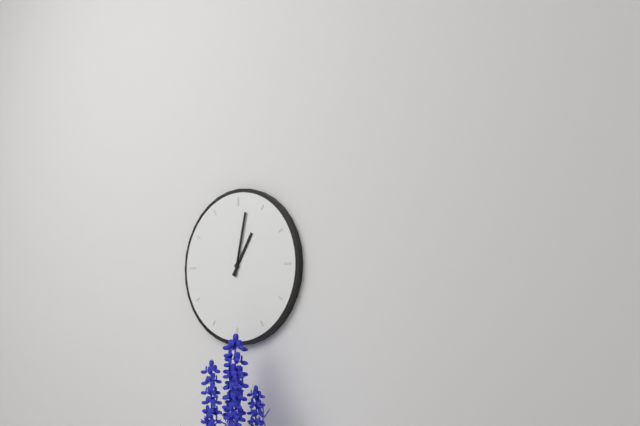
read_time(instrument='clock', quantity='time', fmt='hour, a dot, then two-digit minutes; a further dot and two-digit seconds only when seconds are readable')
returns 1.02
